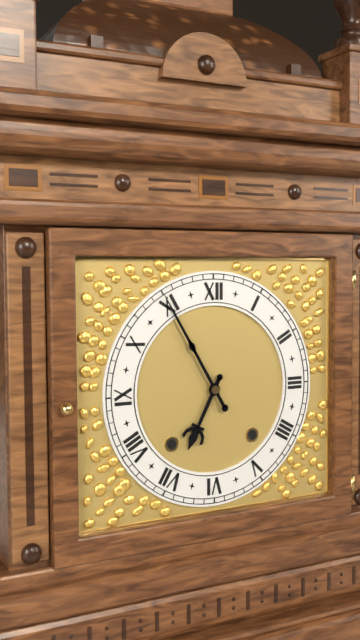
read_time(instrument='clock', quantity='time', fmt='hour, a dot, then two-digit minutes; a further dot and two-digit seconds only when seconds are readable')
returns 6.55
